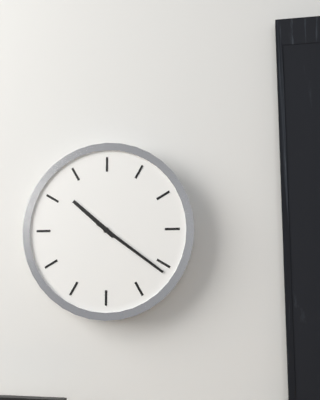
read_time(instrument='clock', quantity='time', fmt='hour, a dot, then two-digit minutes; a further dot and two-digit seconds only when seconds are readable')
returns 10.21
